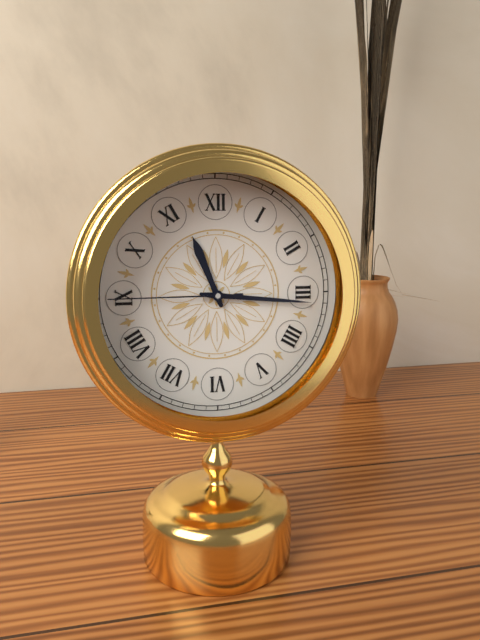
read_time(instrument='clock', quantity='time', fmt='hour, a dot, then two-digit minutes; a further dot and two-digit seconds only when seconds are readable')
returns 11.16.45
